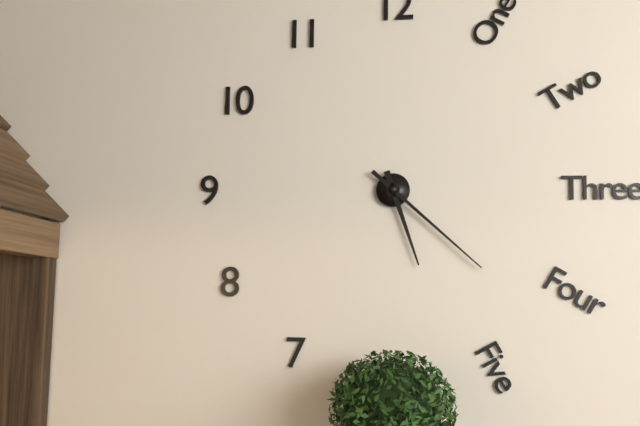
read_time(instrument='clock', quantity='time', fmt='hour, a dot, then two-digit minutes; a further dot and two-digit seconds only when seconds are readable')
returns 5.22
